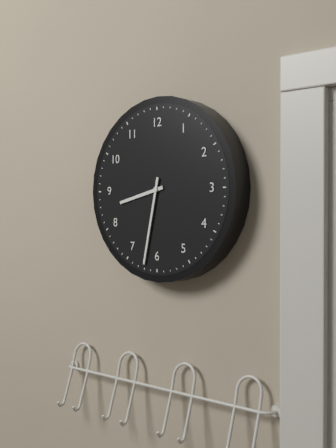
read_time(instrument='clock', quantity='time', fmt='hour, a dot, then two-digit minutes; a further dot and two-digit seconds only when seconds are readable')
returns 8.32
